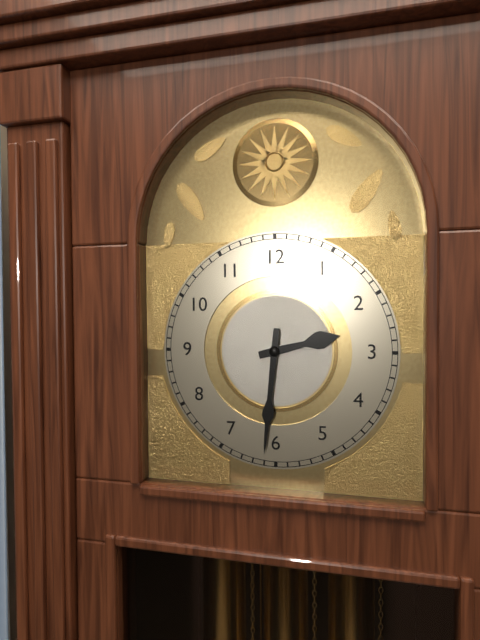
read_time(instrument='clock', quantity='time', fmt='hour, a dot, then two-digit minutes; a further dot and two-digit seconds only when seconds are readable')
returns 2.31
